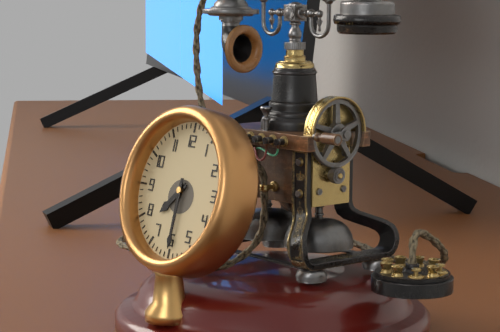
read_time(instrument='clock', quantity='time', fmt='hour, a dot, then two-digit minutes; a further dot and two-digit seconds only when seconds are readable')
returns 7.30
